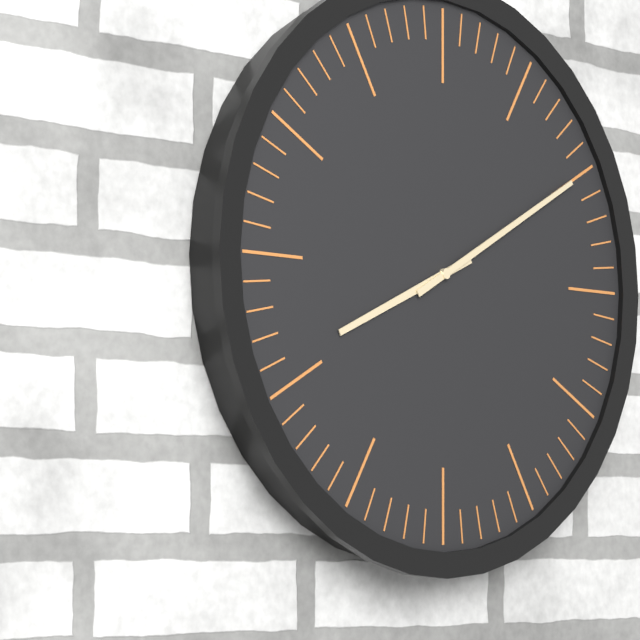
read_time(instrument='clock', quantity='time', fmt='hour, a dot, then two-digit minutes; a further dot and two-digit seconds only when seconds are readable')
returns 8.10
